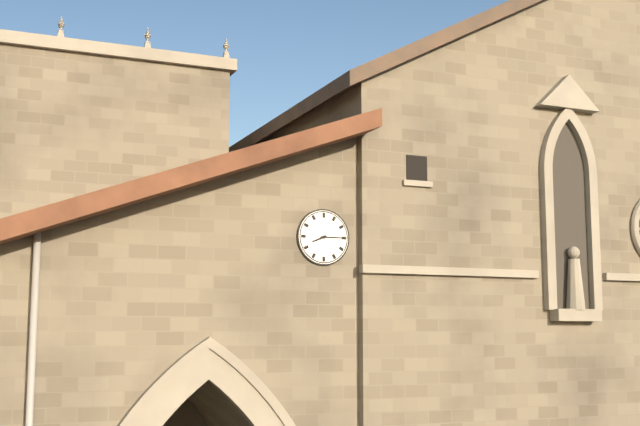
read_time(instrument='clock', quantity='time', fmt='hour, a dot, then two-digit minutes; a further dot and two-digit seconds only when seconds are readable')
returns 8.15
